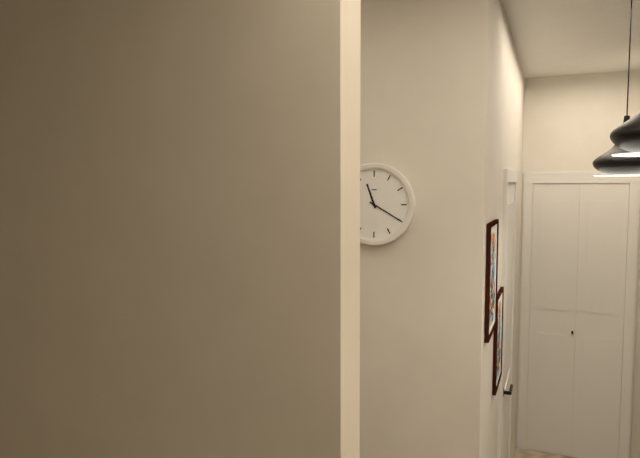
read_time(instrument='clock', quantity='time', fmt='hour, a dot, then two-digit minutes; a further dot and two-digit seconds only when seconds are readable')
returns 11.20
